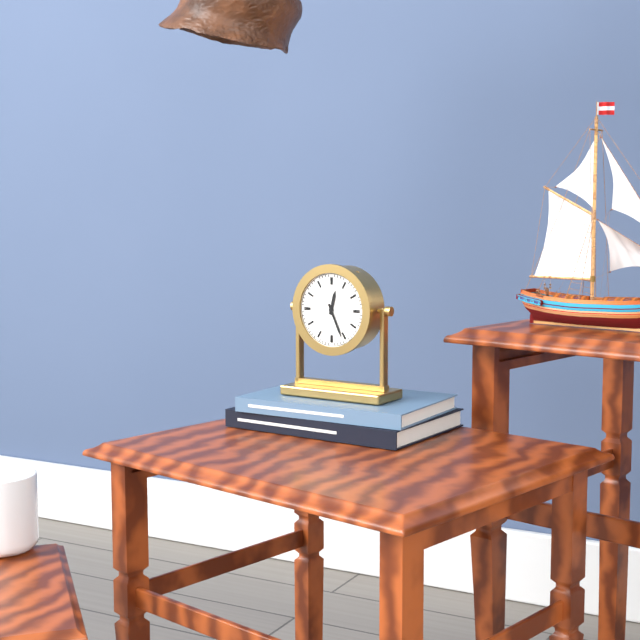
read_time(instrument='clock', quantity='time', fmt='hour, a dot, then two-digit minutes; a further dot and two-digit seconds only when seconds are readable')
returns 12.26
